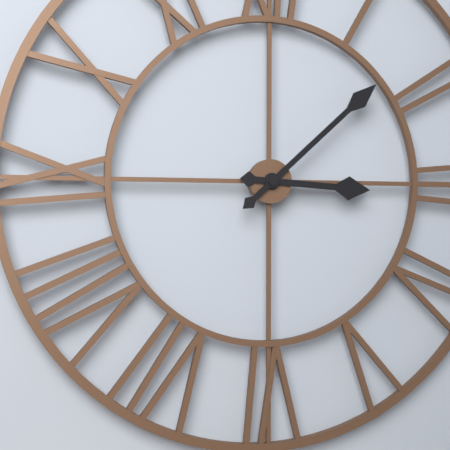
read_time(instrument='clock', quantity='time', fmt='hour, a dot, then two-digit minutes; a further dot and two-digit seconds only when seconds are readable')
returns 3.08
